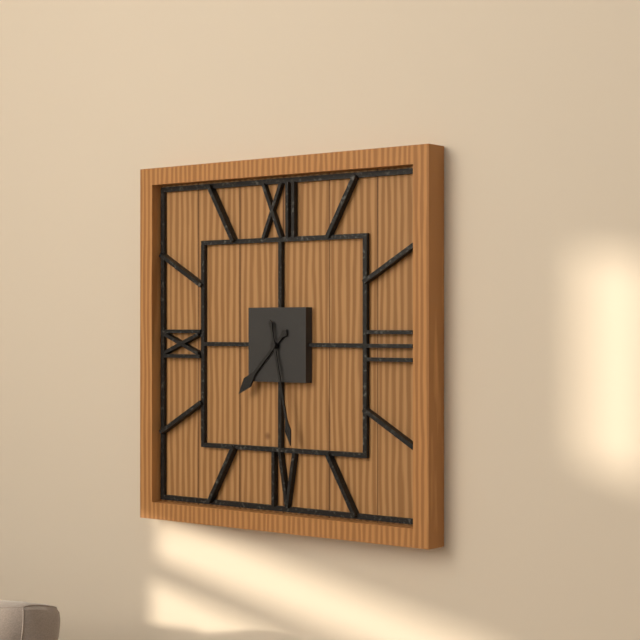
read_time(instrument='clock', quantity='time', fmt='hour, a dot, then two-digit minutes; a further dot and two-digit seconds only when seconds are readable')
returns 7.28
